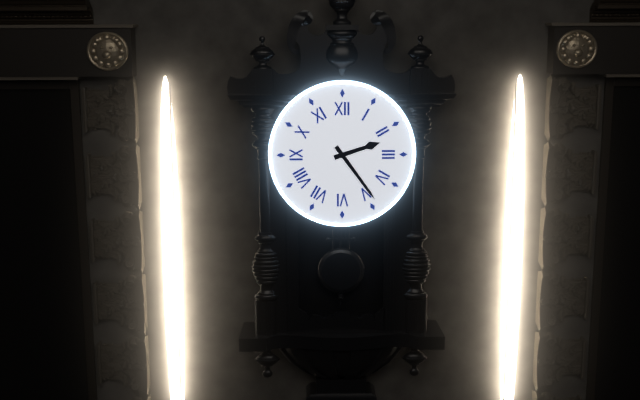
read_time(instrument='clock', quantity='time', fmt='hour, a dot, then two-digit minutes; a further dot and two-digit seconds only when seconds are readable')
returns 2.24
